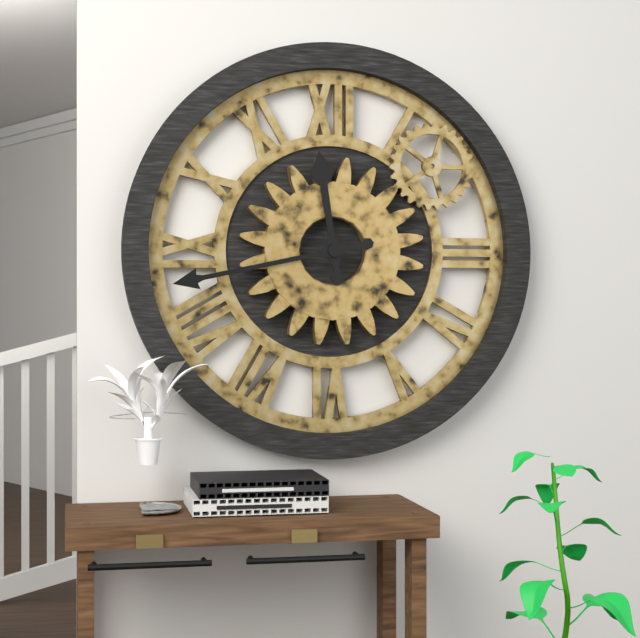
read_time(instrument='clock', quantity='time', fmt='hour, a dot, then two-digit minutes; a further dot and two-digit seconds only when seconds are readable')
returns 11.43
